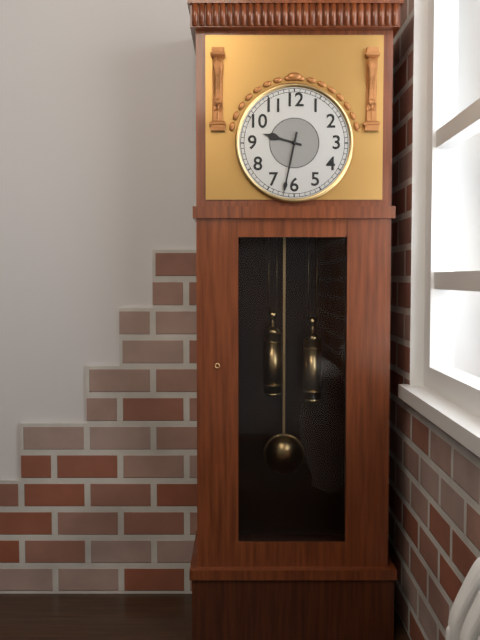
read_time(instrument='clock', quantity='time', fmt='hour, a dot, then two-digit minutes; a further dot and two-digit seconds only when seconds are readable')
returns 9.32
